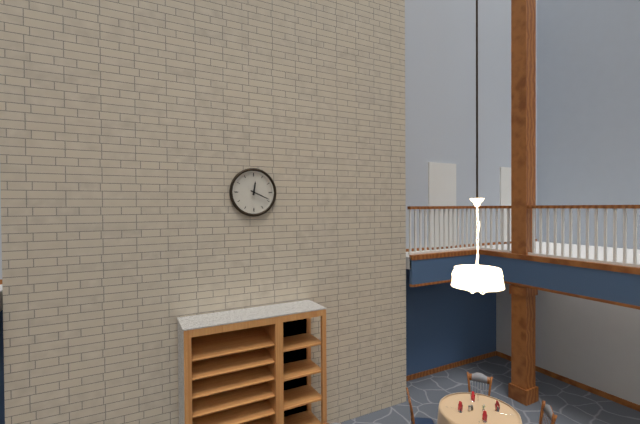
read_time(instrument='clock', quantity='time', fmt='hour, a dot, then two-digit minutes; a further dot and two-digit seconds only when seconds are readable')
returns 12.19
